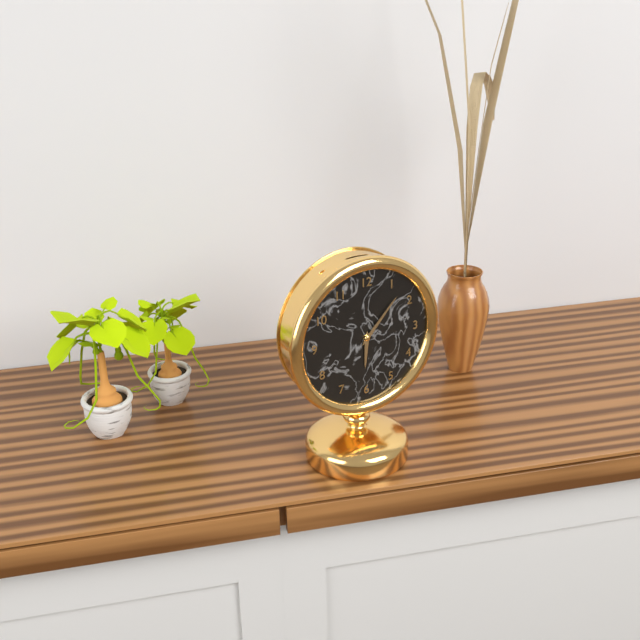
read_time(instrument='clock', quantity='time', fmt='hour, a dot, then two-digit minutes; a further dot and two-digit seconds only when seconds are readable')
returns 6.07
